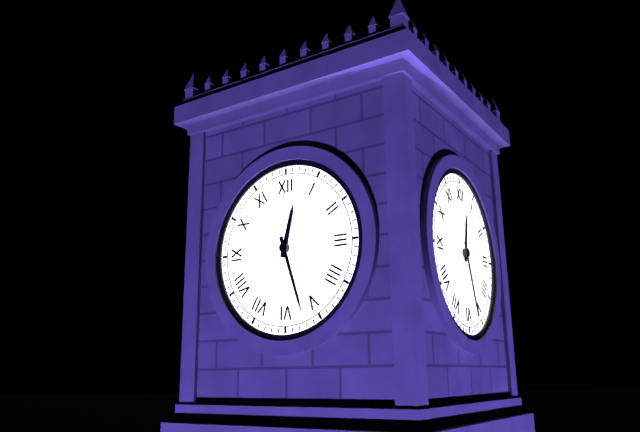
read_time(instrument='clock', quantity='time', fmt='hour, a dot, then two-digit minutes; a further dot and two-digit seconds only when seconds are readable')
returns 12.27
